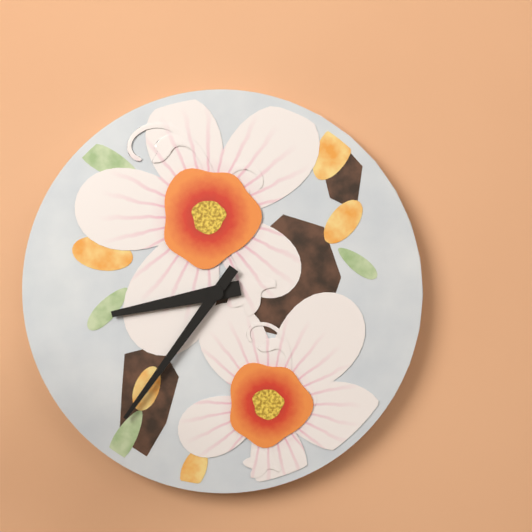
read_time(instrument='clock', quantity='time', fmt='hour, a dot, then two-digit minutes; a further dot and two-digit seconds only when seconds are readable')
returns 8.36
